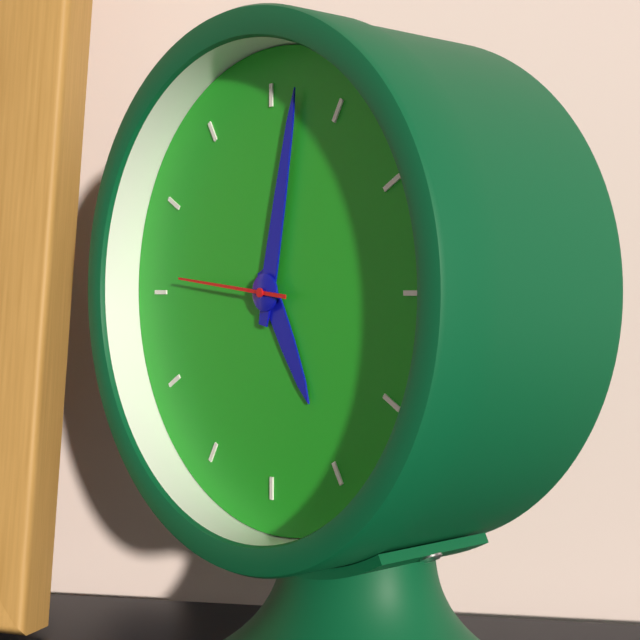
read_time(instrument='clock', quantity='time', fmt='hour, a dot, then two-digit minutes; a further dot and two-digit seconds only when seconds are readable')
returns 5.02.46
